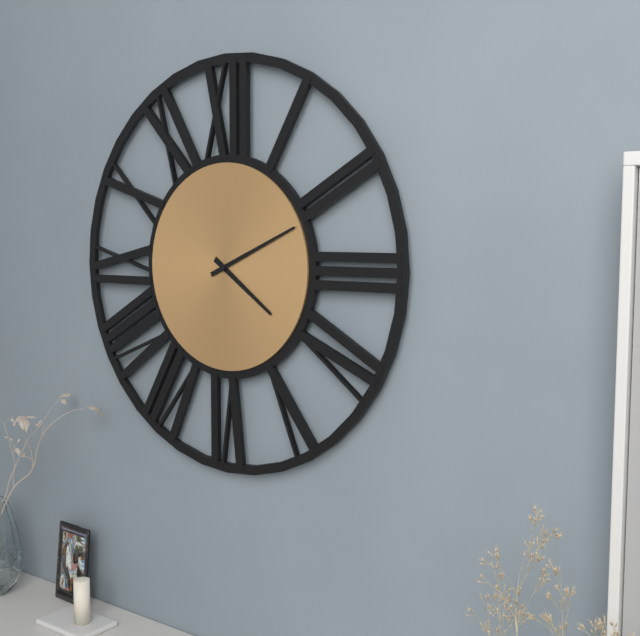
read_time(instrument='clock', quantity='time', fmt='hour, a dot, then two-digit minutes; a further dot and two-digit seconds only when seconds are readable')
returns 4.11
